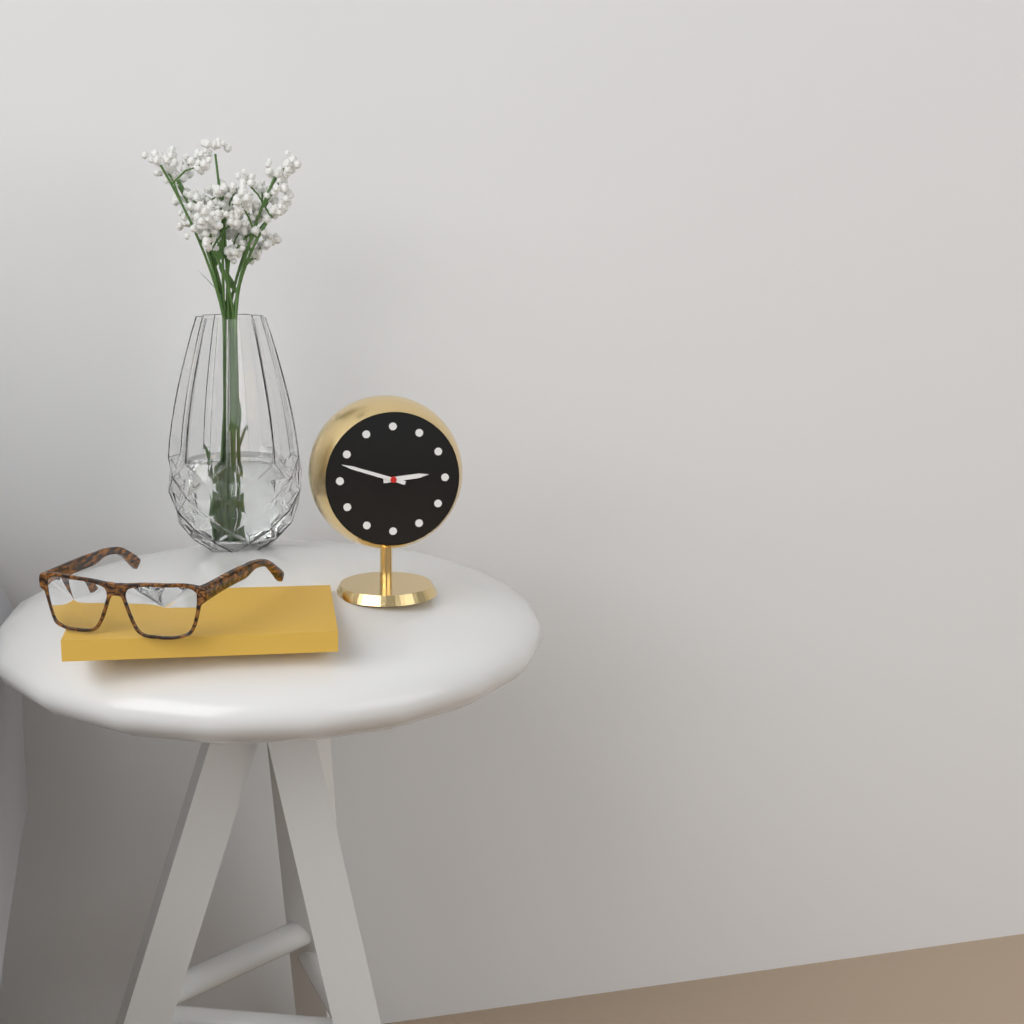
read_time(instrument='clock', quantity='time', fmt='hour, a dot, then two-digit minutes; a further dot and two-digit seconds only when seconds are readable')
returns 2.48
